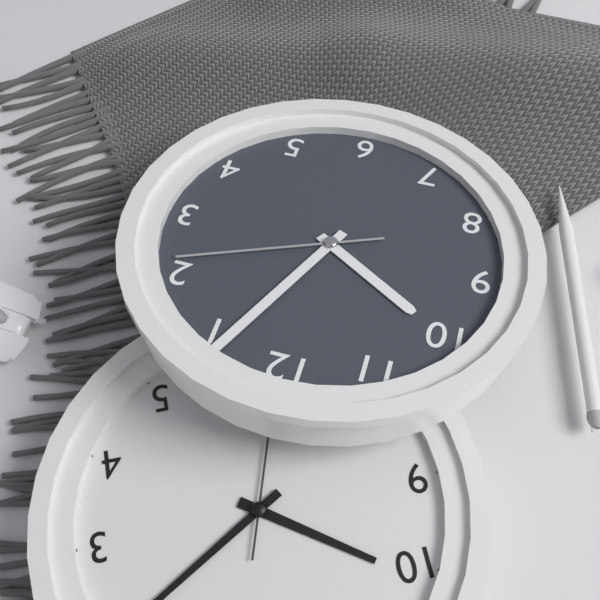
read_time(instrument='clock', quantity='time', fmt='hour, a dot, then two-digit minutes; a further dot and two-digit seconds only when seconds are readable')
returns 10.04.11
